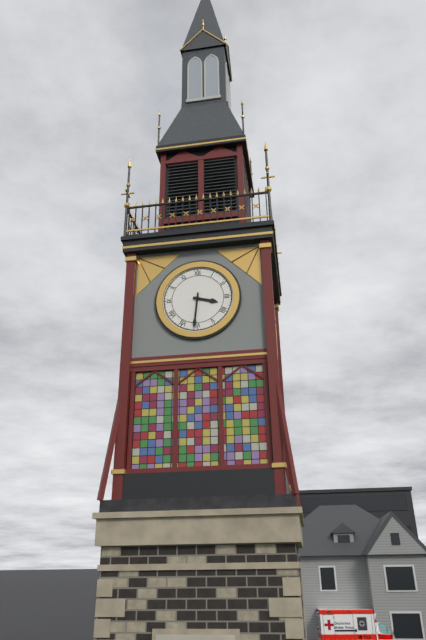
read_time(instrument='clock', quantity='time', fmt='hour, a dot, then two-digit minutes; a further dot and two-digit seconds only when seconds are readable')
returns 3.31
